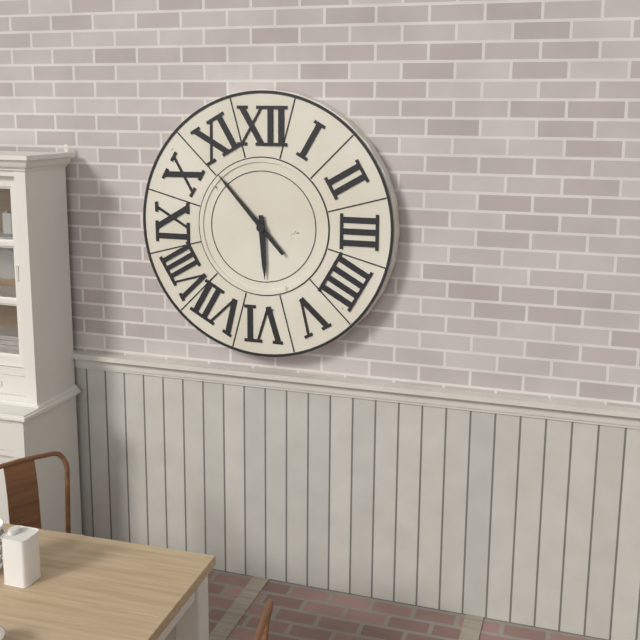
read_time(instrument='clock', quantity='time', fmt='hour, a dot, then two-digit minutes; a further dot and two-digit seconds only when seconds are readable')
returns 5.53
